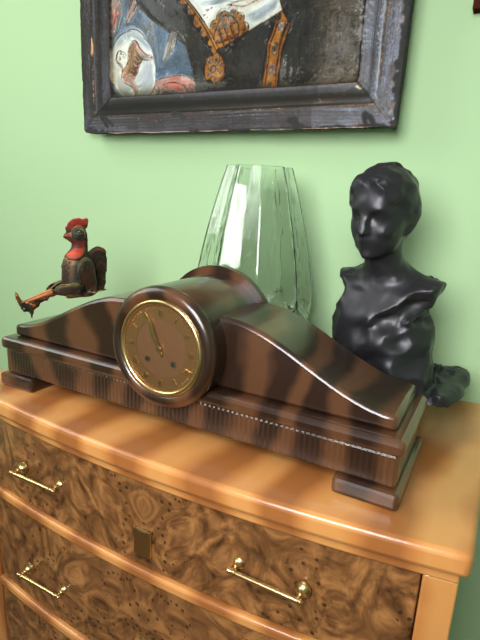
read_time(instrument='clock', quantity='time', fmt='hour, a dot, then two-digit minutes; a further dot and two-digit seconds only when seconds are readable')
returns 10.56
